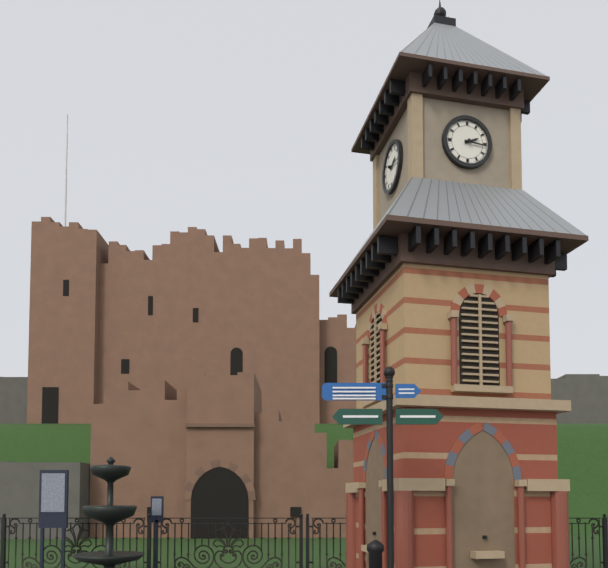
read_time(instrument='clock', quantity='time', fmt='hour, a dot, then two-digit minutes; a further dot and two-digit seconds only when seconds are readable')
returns 2.16
